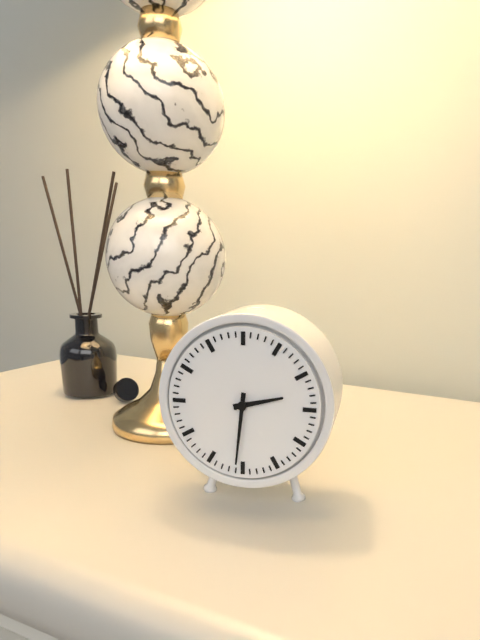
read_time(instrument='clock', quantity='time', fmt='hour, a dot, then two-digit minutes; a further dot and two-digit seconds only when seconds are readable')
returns 2.31
